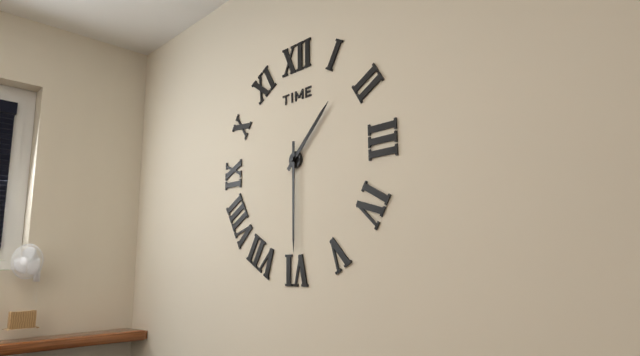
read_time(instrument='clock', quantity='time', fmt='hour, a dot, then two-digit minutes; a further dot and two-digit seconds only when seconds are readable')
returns 1.30
